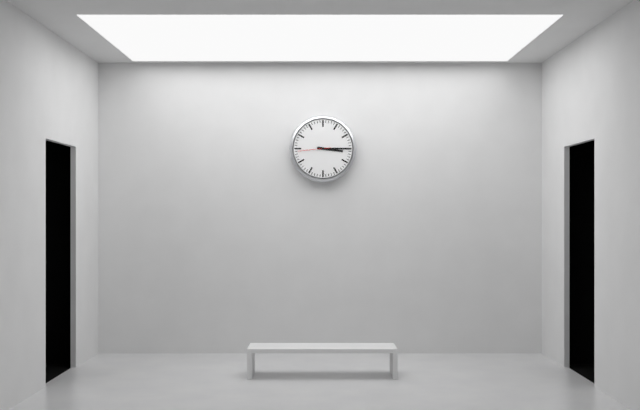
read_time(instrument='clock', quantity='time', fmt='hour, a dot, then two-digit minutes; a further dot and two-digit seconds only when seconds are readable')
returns 3.15
